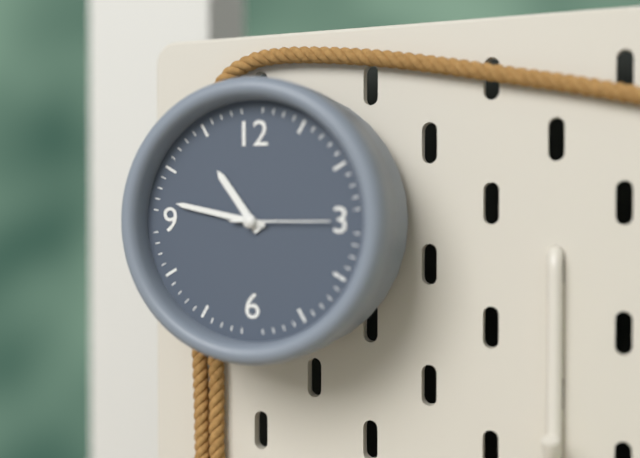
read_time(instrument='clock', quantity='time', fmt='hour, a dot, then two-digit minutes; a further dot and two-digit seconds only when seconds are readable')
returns 10.47.15
